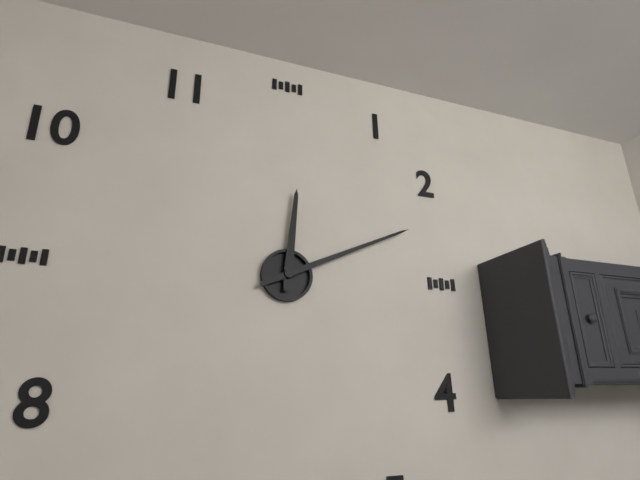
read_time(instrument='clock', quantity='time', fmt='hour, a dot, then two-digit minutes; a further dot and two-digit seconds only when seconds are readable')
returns 12.11
